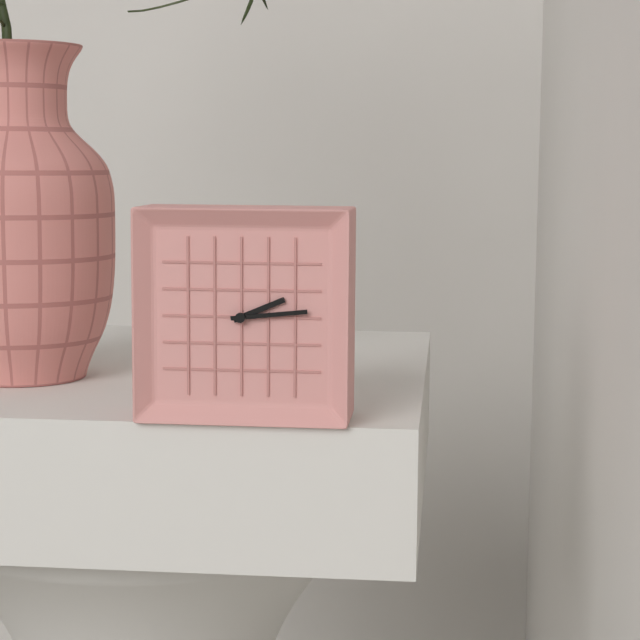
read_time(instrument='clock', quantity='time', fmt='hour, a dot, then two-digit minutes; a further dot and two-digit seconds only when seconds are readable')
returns 2.14
